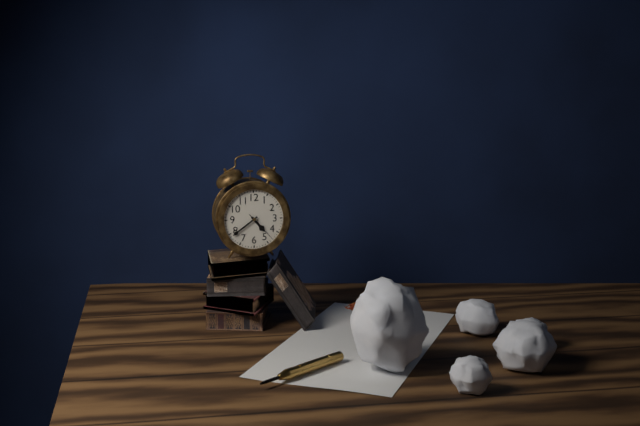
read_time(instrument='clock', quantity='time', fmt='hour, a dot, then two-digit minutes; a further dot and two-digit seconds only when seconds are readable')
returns 4.39
